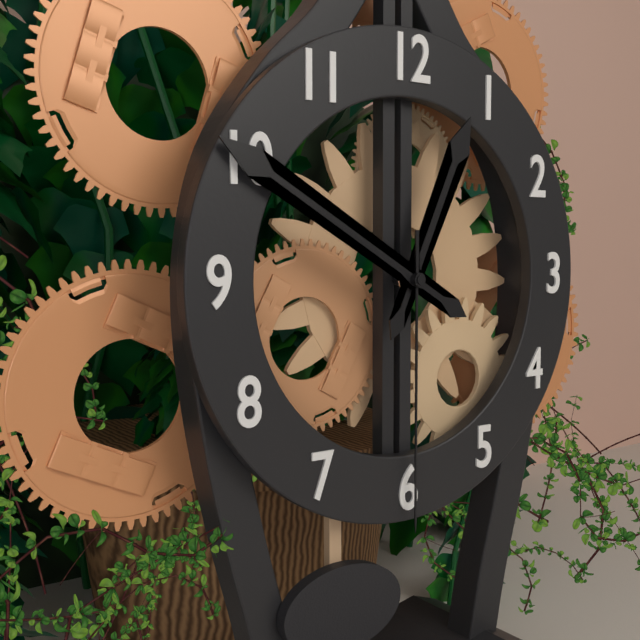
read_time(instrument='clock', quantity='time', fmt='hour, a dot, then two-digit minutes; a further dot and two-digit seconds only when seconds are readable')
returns 12.50.30
